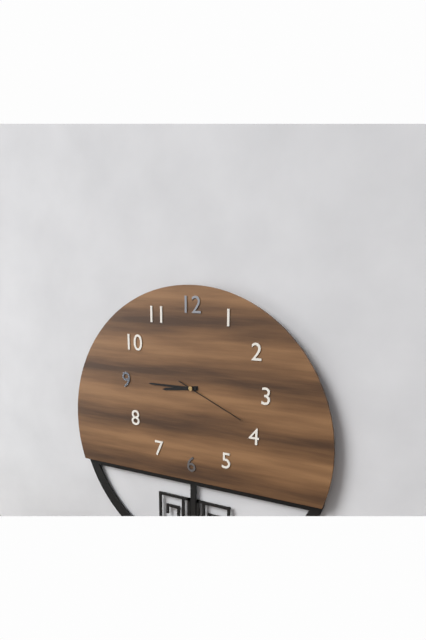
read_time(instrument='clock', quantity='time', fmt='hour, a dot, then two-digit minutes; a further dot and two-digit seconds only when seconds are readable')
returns 8.45.19
